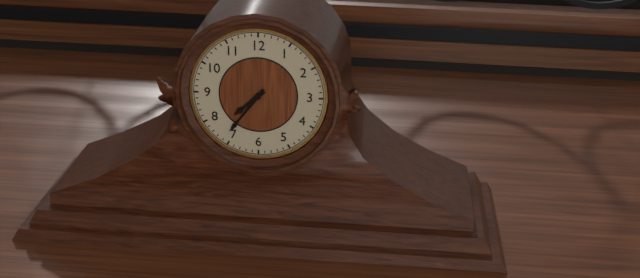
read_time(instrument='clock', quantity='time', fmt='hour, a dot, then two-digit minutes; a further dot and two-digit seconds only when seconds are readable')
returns 7.36
